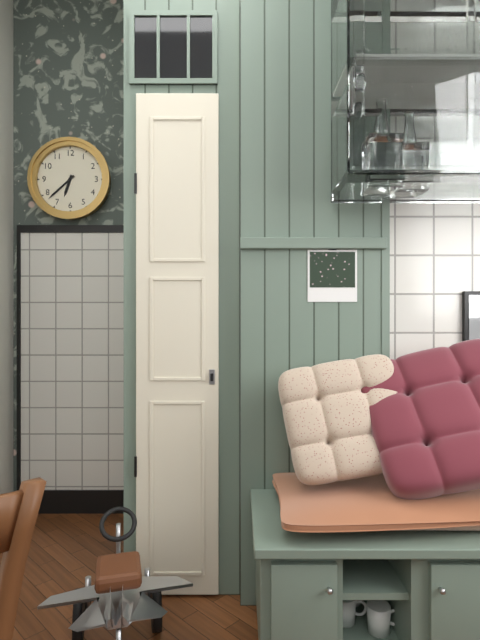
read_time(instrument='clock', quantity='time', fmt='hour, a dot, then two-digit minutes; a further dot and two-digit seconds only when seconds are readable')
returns 6.38
